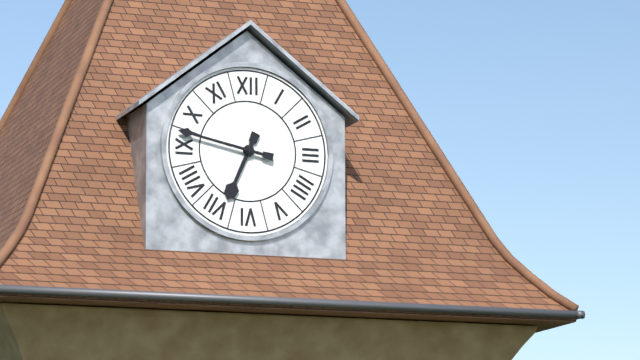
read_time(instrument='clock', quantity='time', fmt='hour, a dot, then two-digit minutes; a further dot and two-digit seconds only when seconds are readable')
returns 6.47
